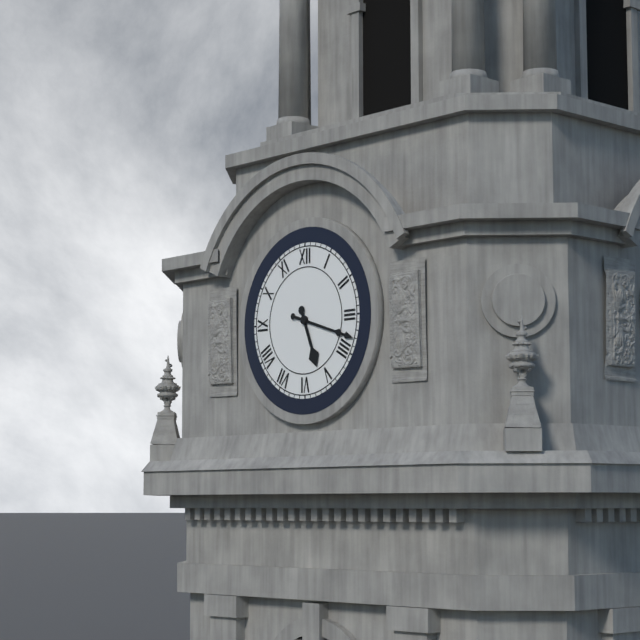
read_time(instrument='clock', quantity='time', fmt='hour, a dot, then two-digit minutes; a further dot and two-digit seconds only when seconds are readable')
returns 5.18
